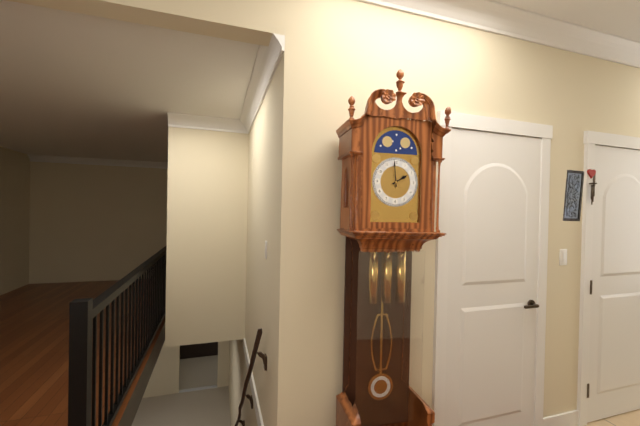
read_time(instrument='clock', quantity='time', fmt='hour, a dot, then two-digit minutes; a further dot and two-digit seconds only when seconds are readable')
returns 1.59
